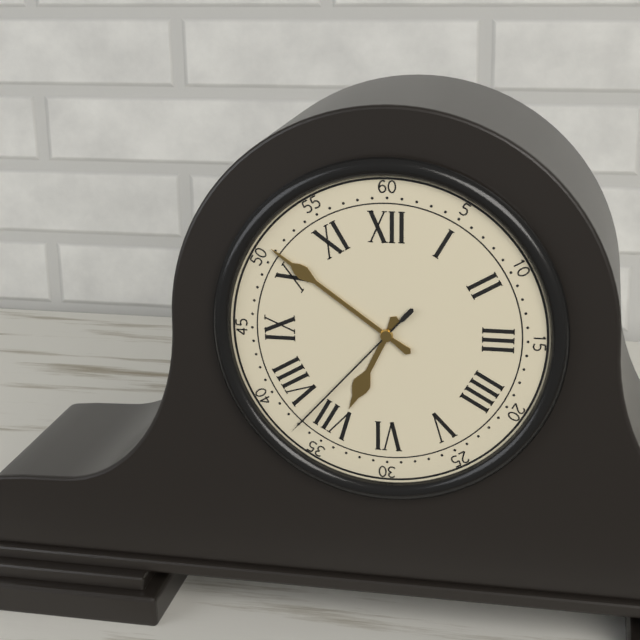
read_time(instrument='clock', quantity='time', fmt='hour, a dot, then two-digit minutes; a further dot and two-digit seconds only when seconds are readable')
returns 6.51.37
